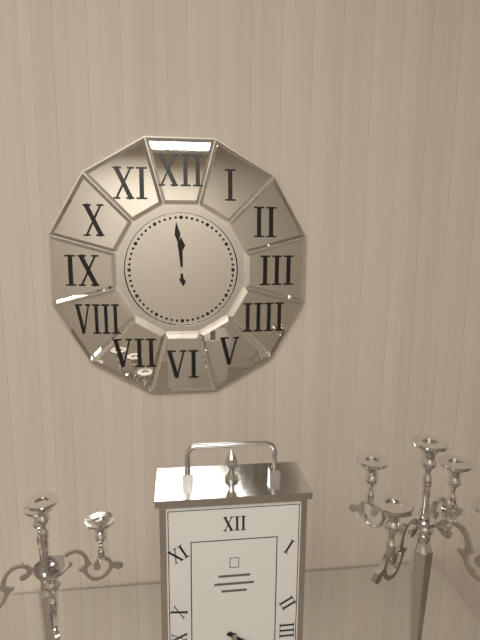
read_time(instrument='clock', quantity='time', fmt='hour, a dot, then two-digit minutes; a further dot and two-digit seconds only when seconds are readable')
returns 11.59
